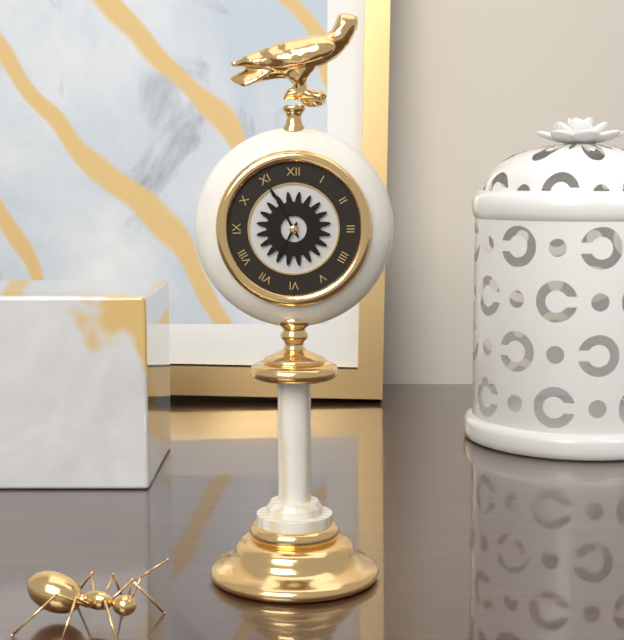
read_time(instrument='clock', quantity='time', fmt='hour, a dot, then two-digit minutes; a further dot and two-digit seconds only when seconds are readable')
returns 6.55
